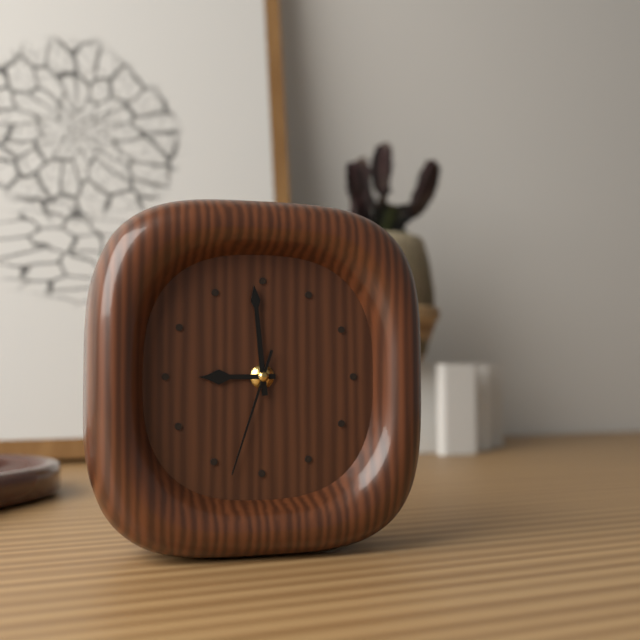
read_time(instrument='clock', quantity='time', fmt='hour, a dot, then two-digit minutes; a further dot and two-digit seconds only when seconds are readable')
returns 8.59.33
